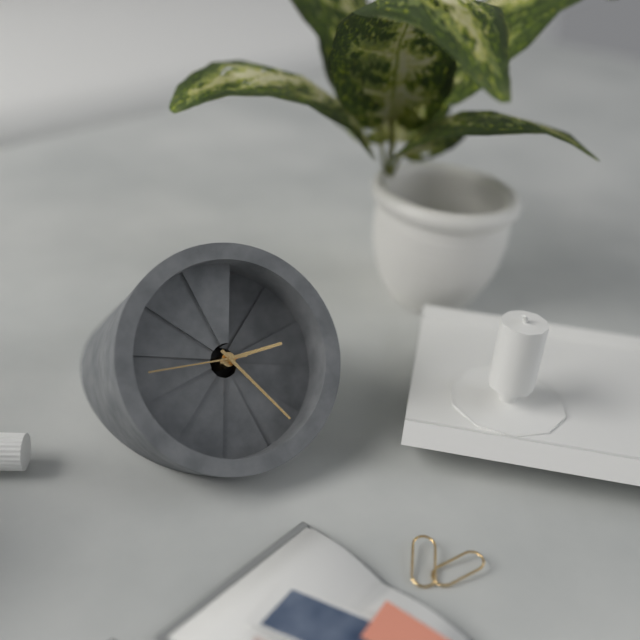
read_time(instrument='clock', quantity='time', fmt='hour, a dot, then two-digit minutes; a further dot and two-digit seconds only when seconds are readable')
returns 2.22.43
